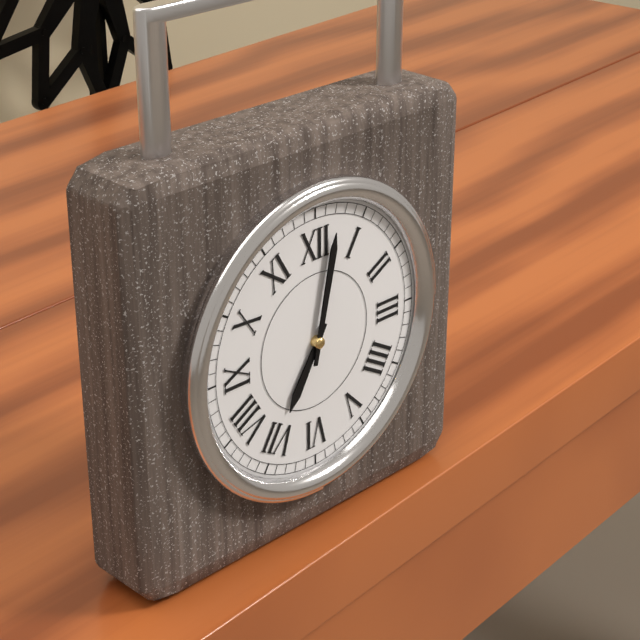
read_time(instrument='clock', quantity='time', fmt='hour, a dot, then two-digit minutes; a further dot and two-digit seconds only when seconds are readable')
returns 7.02
